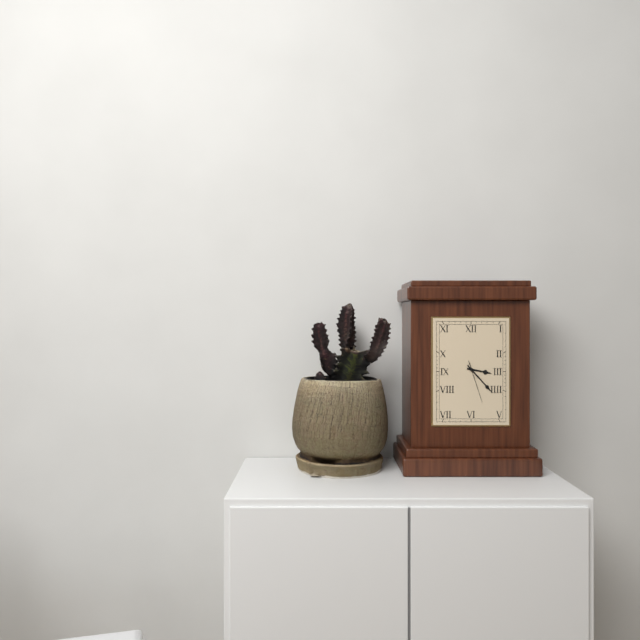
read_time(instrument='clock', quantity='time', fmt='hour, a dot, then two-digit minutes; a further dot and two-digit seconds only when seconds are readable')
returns 3.23.27
